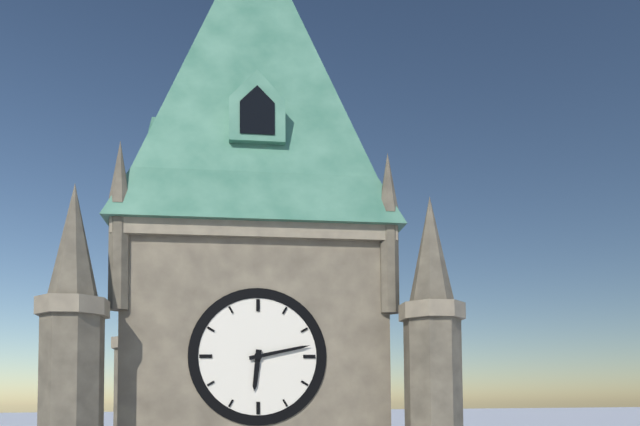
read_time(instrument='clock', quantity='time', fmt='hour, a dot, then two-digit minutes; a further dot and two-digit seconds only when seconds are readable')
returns 6.13
